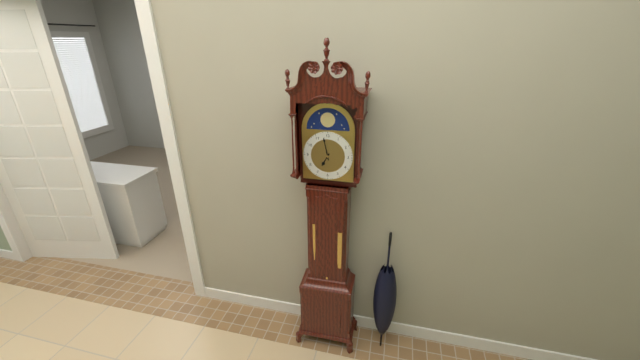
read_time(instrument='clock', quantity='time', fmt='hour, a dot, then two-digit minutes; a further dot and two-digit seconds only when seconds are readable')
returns 6.58
